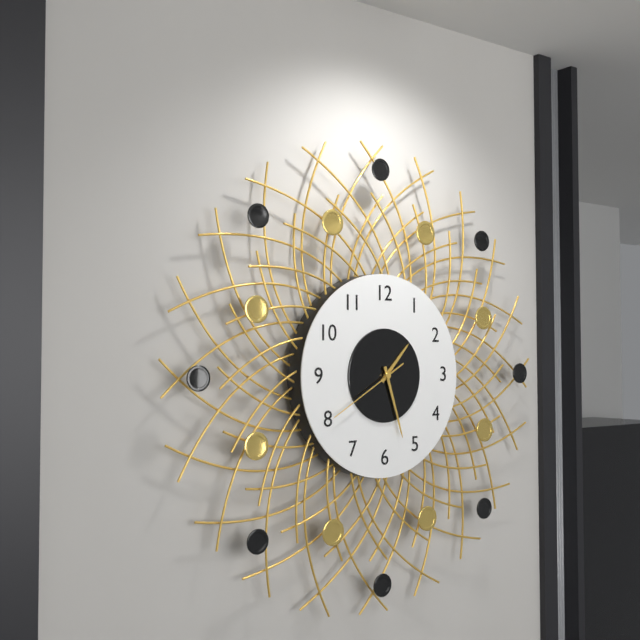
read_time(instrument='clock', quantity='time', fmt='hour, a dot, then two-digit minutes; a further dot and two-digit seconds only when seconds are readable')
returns 1.27.40
